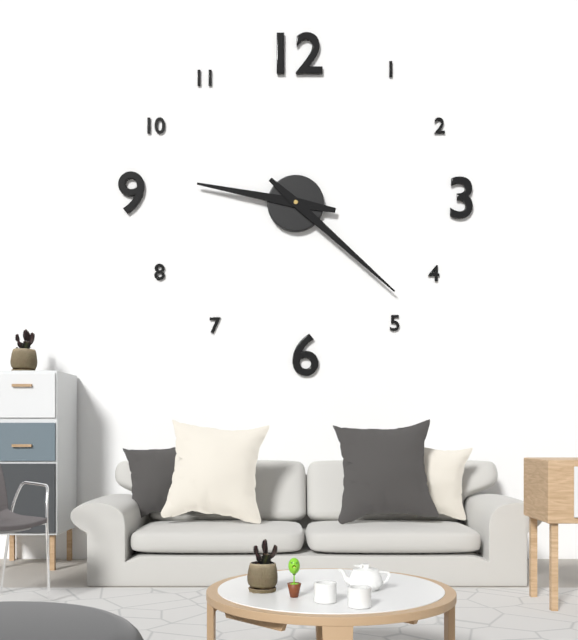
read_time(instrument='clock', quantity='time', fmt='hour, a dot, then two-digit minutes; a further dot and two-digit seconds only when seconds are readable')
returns 9.22
